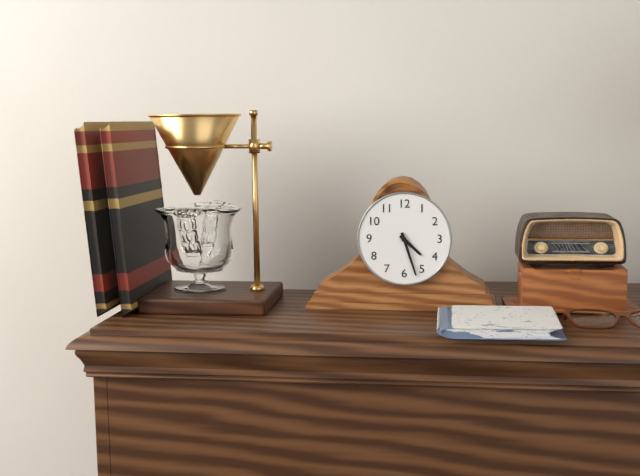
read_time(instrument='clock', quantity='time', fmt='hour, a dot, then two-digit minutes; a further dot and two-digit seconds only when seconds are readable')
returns 4.27
